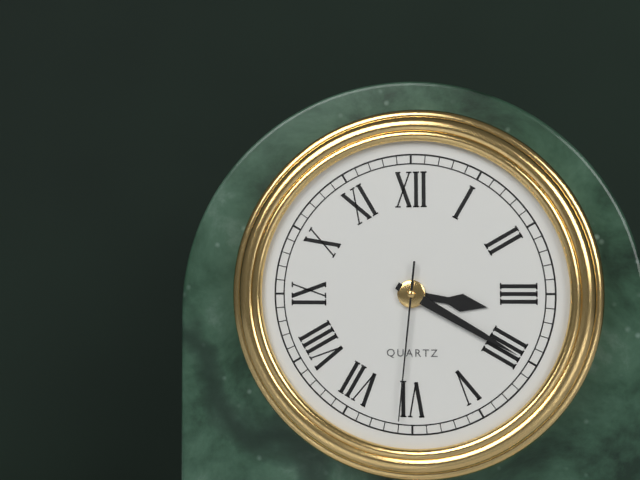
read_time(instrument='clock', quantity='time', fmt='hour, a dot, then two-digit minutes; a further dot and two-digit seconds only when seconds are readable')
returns 3.20.31
